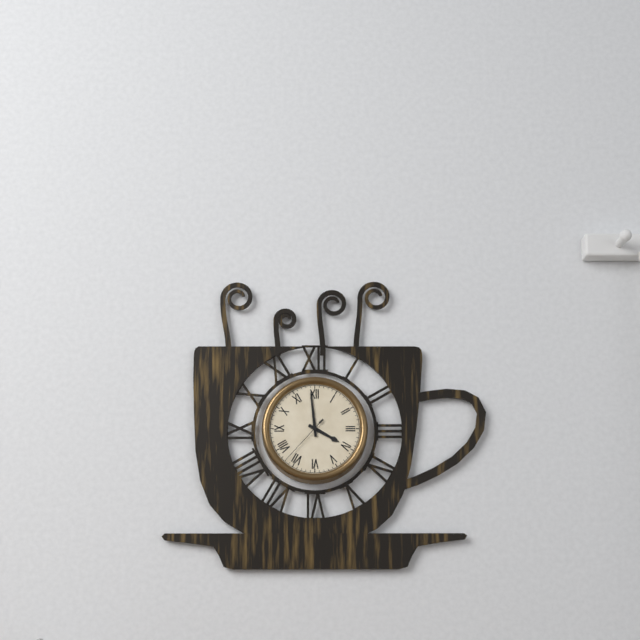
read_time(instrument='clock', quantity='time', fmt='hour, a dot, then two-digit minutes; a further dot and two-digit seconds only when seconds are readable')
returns 3.59.37
